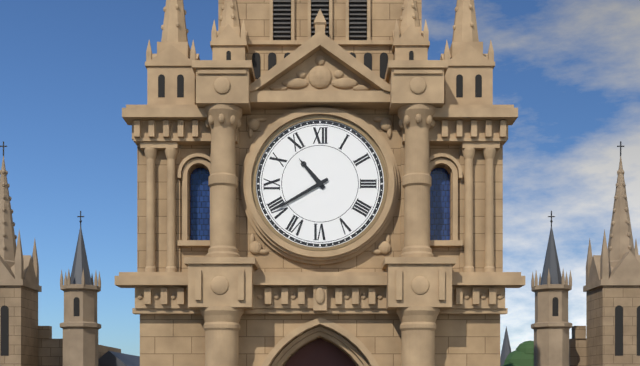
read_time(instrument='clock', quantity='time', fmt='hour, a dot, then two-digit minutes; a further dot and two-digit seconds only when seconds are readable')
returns 10.40
